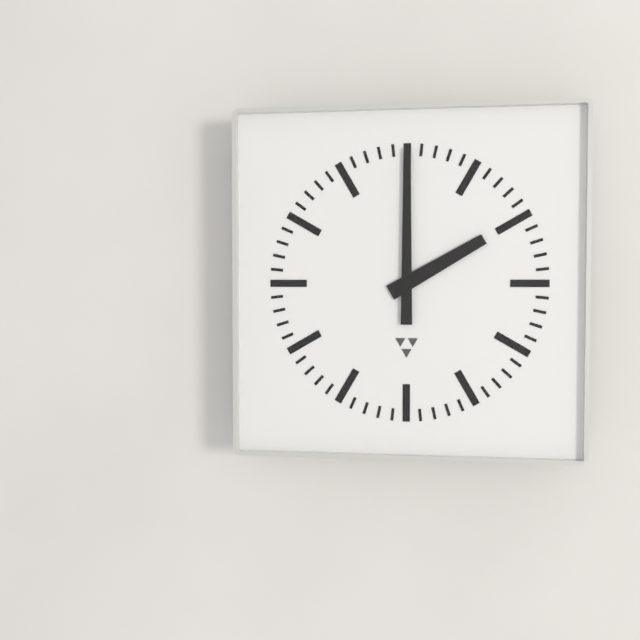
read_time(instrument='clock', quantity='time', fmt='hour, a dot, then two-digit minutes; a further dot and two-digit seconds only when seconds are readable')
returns 2.00
